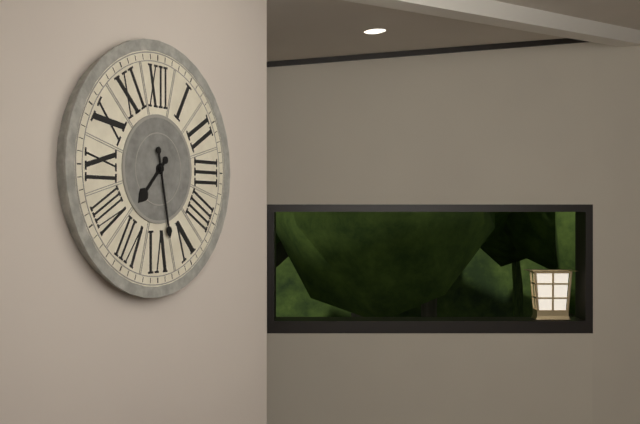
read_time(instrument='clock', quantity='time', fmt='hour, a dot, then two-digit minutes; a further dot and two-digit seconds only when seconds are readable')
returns 7.28
